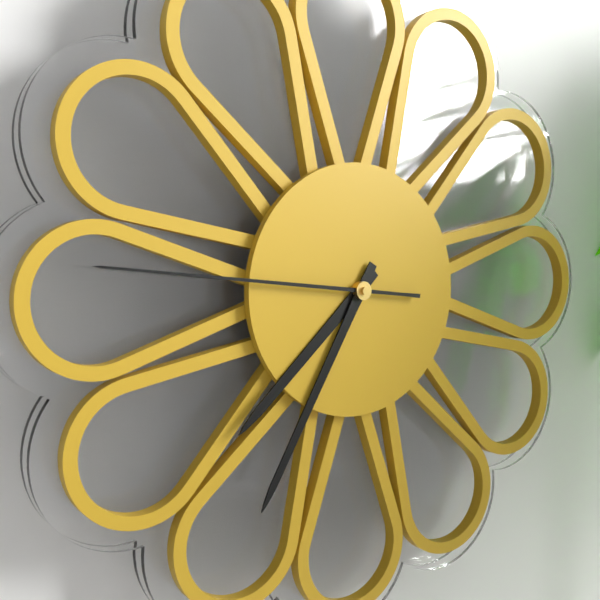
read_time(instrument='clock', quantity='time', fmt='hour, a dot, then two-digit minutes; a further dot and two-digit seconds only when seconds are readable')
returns 7.35.46
